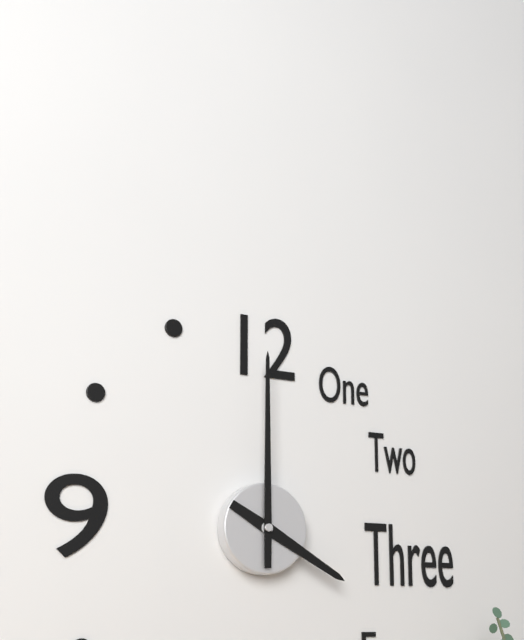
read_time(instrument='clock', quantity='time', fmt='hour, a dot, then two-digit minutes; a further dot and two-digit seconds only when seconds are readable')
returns 4.00
